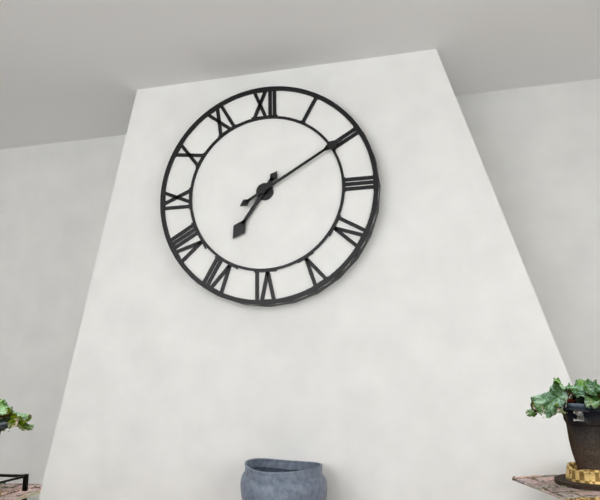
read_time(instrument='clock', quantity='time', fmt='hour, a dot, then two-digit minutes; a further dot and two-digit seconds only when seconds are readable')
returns 7.10
